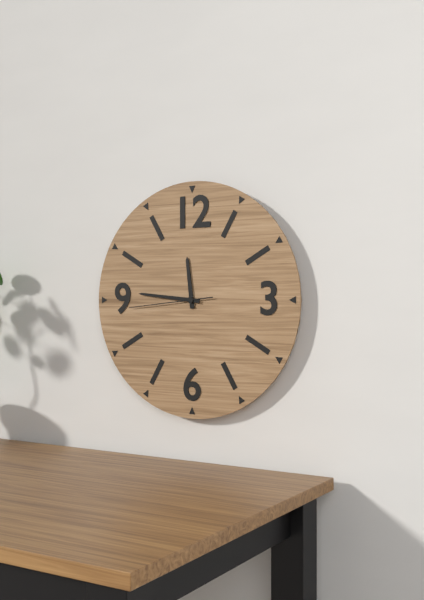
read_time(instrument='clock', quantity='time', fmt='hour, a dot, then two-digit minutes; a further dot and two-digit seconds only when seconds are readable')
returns 11.46.44
